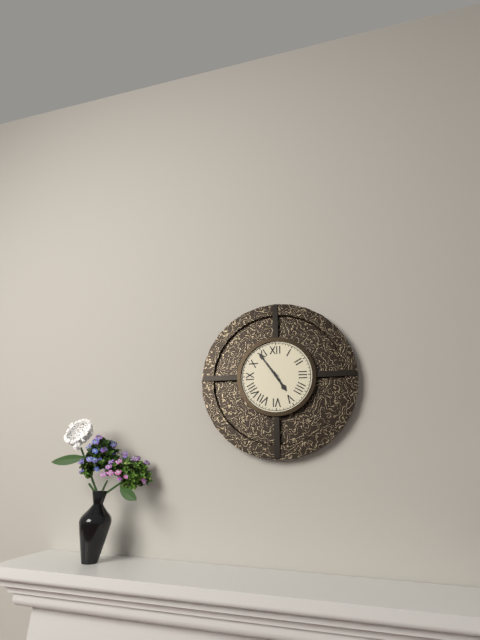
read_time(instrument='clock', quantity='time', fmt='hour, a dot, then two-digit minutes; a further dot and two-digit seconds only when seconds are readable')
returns 4.54
